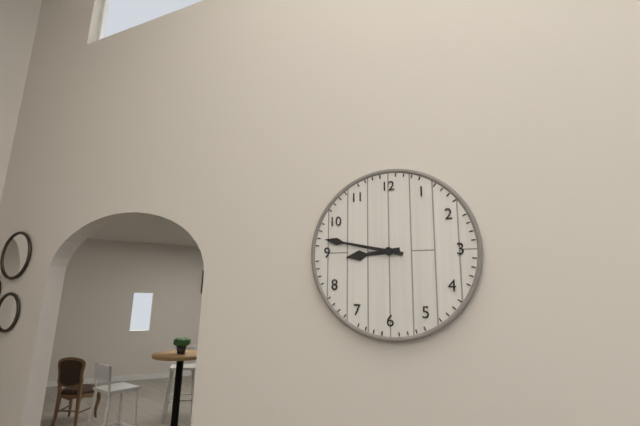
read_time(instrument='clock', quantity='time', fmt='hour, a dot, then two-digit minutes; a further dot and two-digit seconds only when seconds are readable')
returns 8.47
